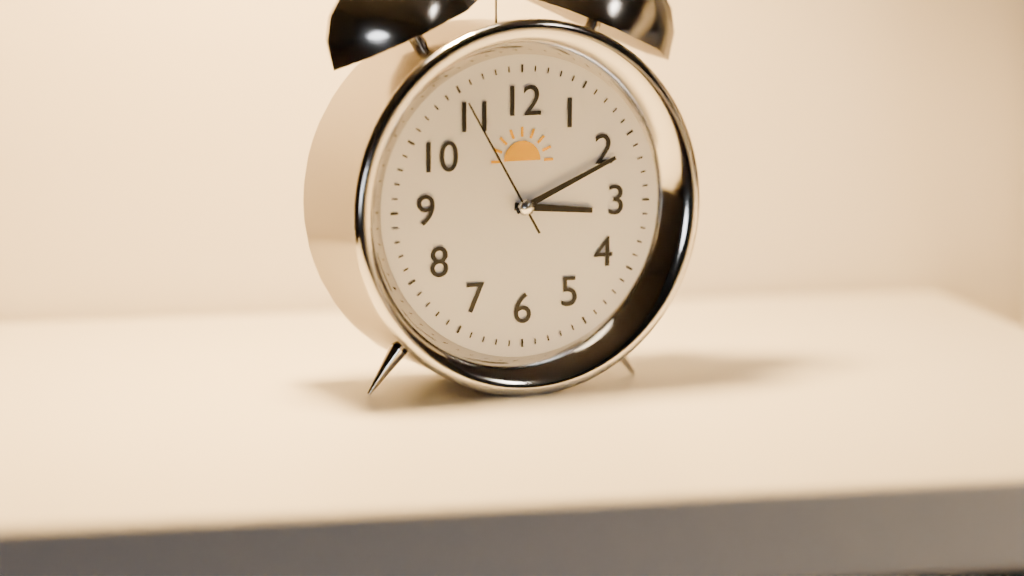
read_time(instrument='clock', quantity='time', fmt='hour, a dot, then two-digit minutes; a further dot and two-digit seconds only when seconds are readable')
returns 3.11.55
